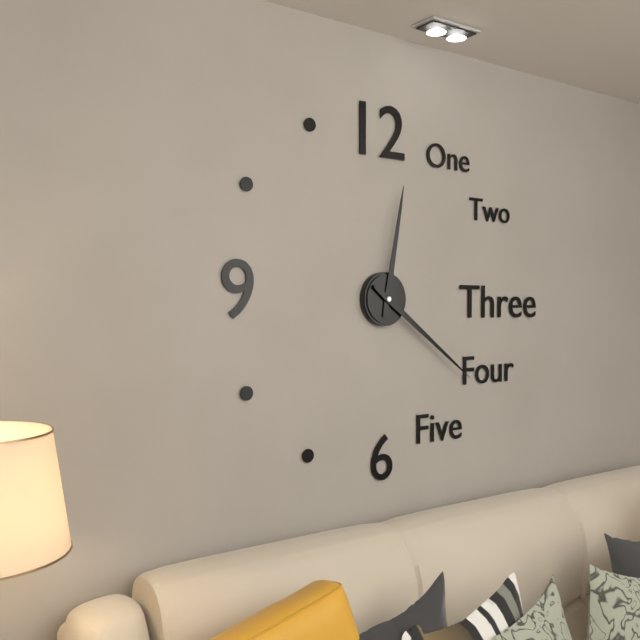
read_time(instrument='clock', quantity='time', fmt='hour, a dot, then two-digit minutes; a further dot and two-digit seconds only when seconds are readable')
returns 12.21
